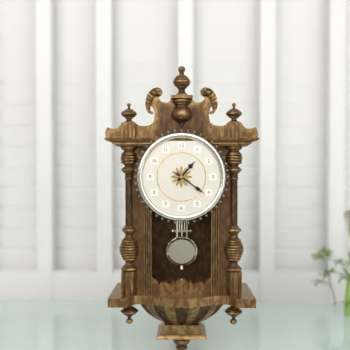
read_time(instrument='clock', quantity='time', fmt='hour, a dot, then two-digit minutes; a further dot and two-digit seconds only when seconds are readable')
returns 1.21
